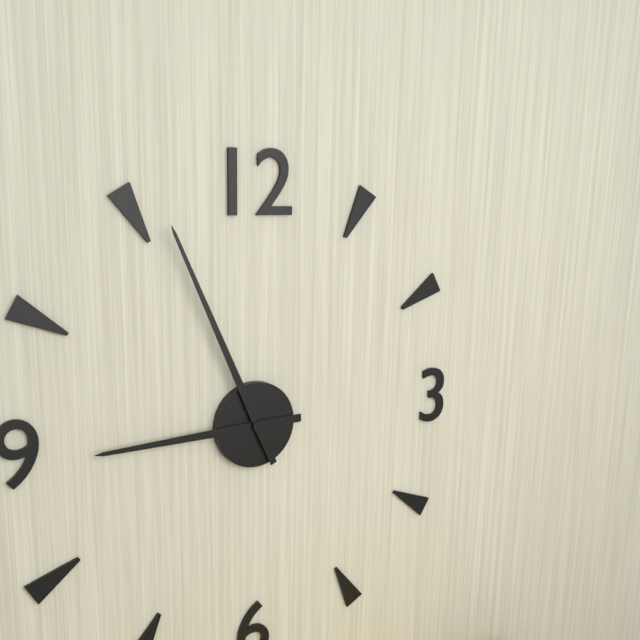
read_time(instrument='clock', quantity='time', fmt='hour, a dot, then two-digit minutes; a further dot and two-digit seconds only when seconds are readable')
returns 8.56
